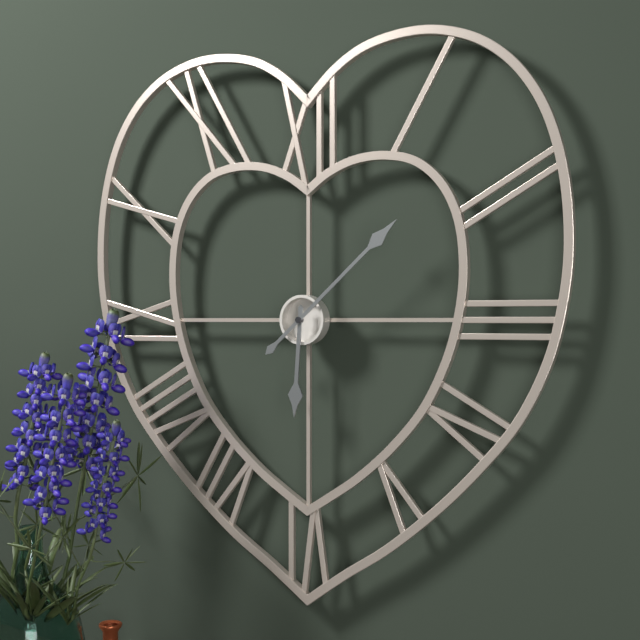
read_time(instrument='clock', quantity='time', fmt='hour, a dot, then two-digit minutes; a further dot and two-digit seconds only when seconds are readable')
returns 6.08
